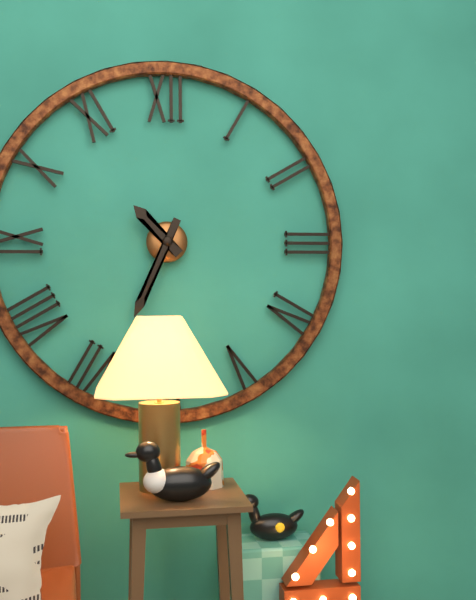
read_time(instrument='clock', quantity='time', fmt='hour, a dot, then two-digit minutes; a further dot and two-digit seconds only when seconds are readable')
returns 10.34
